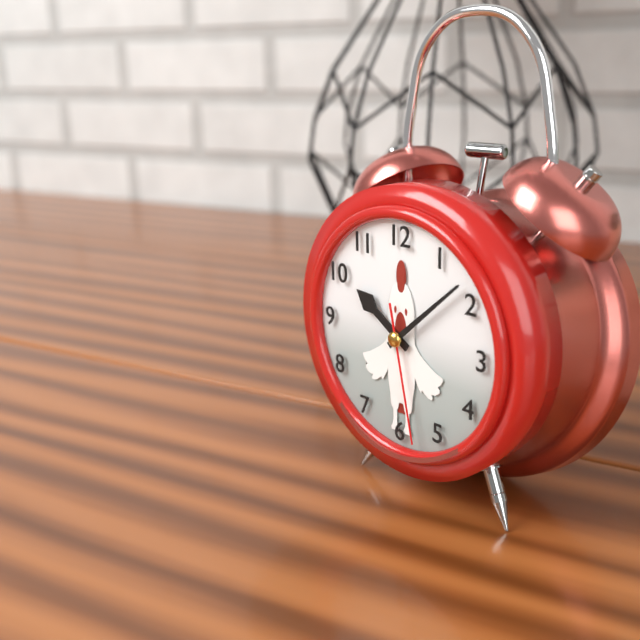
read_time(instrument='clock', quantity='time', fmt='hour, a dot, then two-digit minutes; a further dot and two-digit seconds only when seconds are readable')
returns 10.08.28
